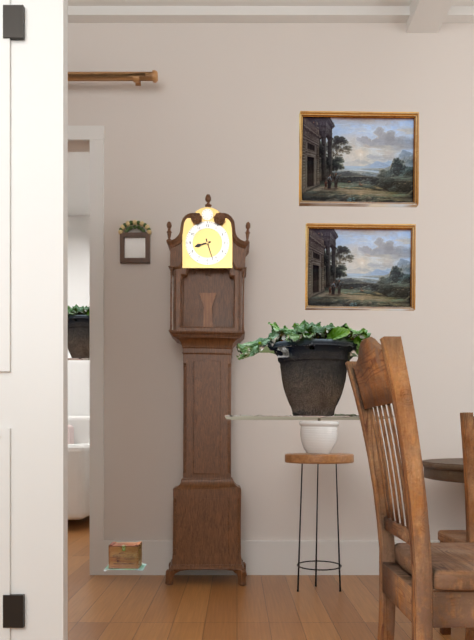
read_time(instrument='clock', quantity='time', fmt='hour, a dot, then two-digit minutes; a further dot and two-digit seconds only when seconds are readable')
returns 8.27
